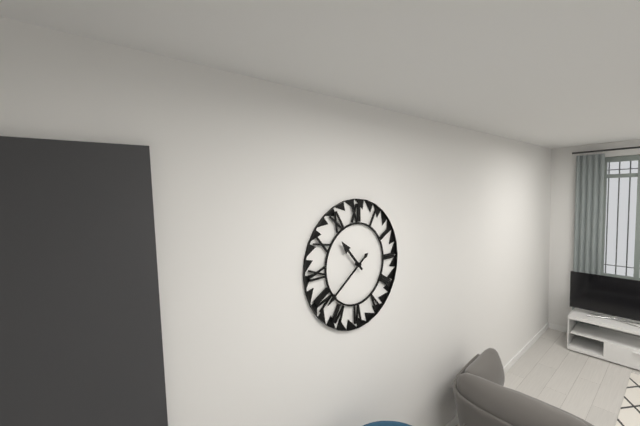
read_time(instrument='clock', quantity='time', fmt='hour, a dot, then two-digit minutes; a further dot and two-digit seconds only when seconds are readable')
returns 10.39
